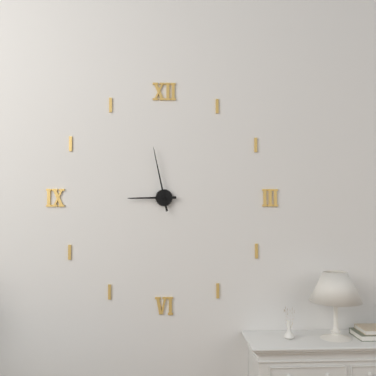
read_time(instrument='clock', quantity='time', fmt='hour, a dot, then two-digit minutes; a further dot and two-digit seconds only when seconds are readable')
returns 8.58
